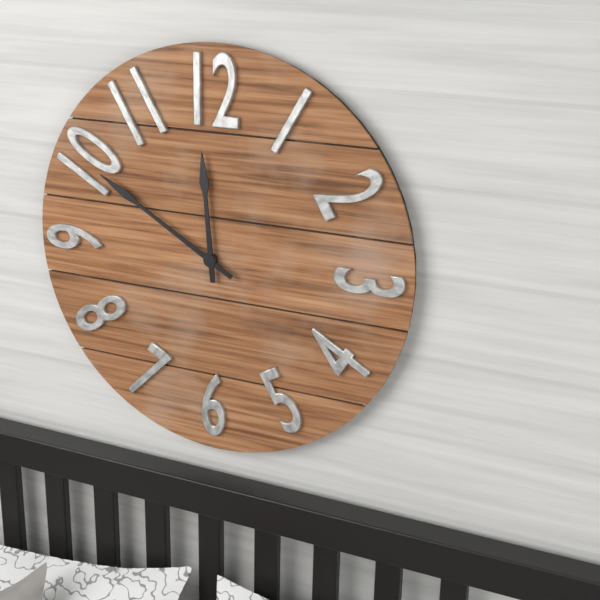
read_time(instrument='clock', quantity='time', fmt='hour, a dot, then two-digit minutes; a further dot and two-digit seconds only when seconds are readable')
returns 11.50
